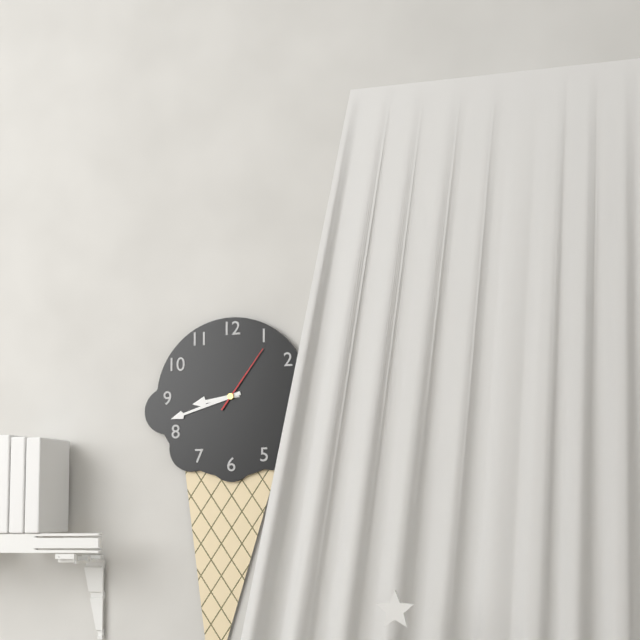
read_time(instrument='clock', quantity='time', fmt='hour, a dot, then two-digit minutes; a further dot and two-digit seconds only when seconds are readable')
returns 8.42.06
